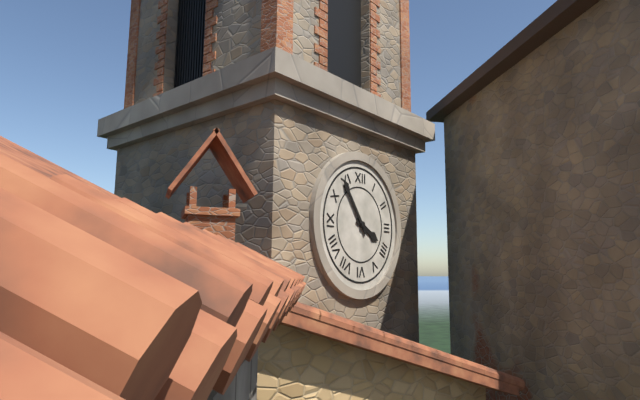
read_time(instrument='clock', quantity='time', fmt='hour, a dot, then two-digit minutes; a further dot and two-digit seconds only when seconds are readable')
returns 3.54
